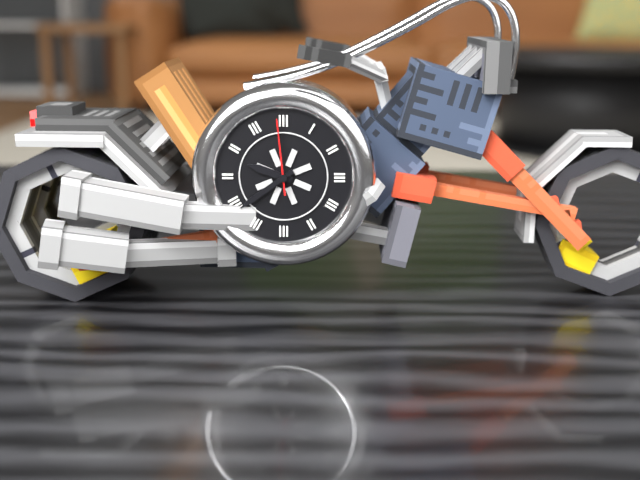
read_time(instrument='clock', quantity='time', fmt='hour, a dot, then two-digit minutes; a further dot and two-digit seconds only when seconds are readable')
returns 9.39.59
